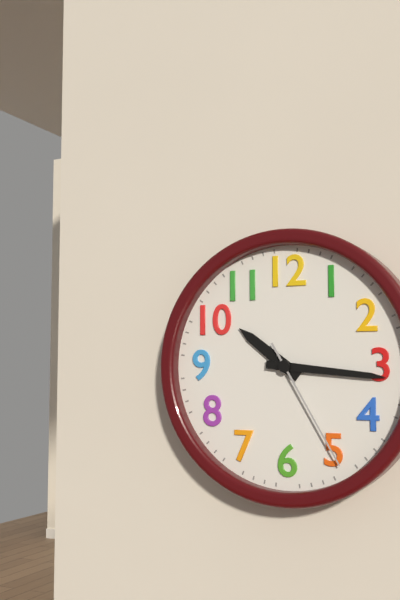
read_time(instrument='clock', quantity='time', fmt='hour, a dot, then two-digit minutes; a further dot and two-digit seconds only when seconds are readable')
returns 10.16.25
